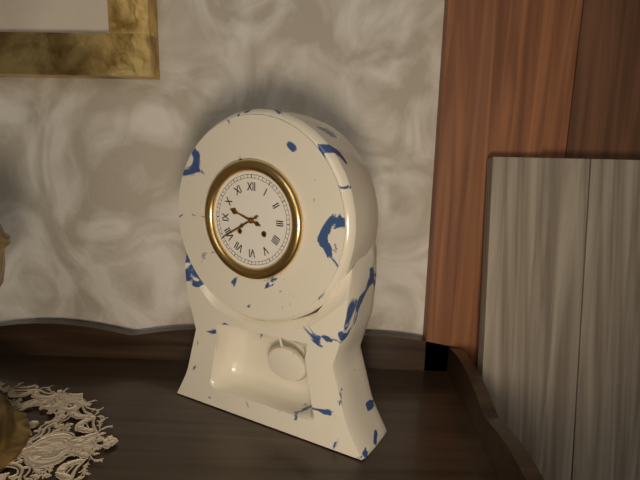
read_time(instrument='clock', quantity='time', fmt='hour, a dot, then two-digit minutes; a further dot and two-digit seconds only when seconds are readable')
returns 9.40
